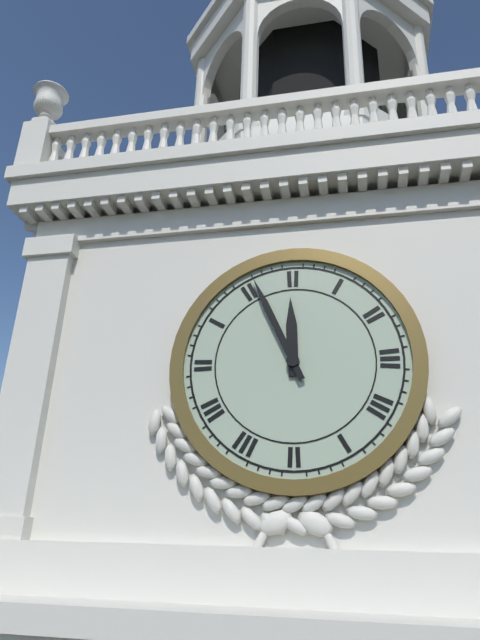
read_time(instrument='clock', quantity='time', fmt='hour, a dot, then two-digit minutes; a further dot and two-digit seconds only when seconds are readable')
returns 11.56
